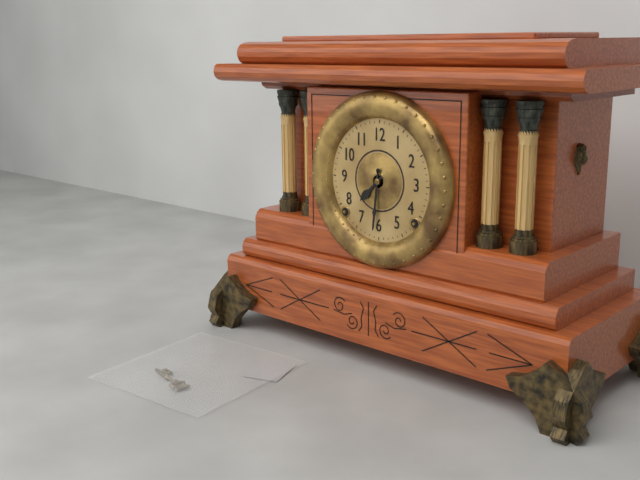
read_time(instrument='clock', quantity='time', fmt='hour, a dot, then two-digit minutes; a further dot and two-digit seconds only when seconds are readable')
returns 7.31
